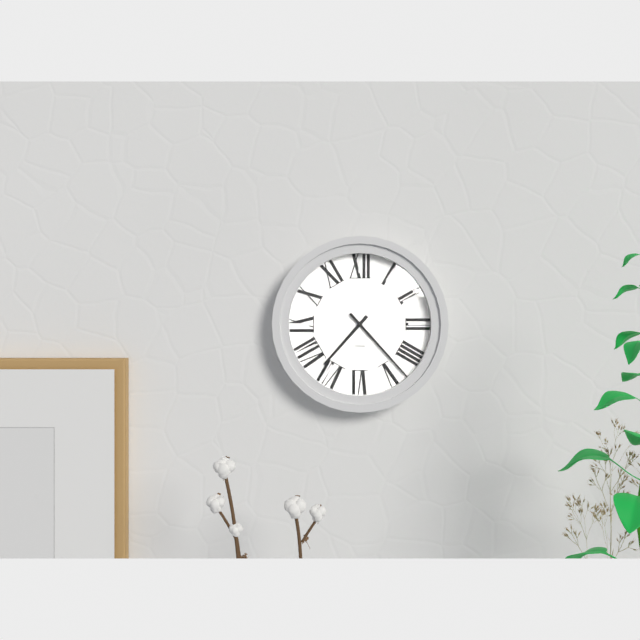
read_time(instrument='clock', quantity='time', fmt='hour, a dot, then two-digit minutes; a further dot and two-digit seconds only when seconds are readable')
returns 7.23
